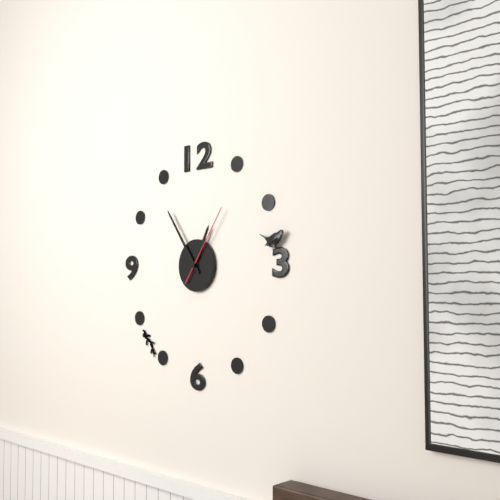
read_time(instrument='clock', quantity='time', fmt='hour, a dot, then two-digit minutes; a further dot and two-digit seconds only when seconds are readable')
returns 12.54.06
